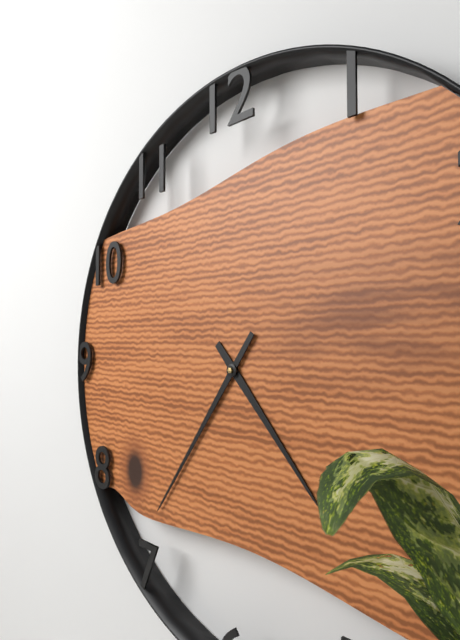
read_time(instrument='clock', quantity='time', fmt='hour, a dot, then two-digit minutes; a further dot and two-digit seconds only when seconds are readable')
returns 4.36
